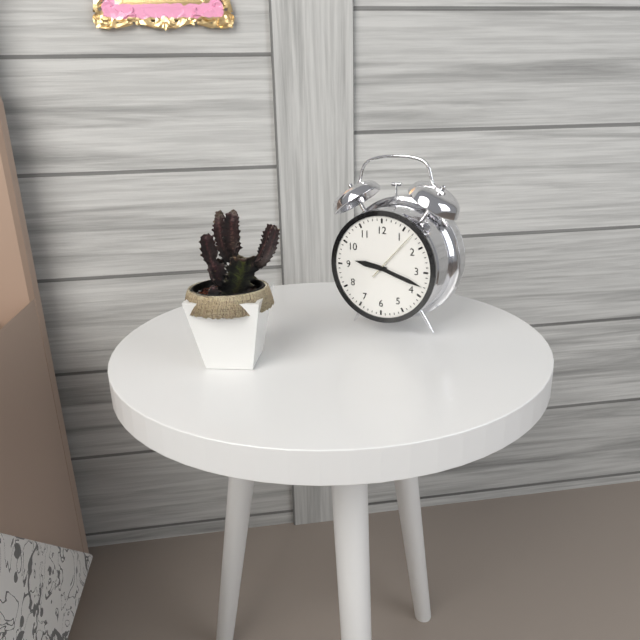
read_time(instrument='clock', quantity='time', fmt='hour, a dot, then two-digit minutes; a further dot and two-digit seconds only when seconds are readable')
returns 9.18.07
